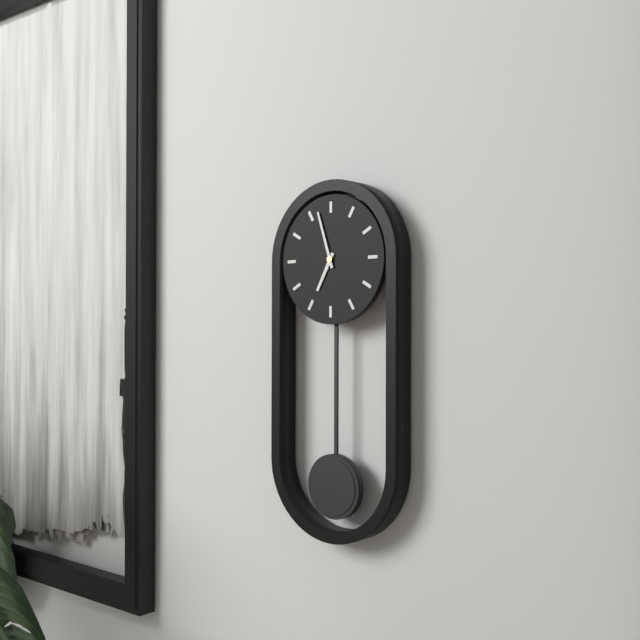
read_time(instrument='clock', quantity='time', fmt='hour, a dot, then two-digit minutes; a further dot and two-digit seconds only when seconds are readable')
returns 6.57
